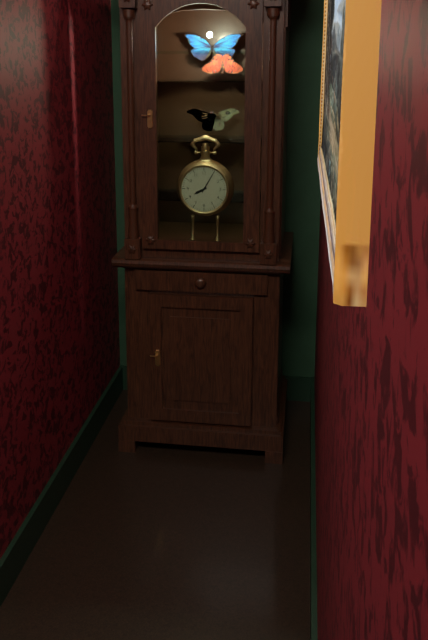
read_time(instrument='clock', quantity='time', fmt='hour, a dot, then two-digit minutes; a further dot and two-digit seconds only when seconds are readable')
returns 8.05
